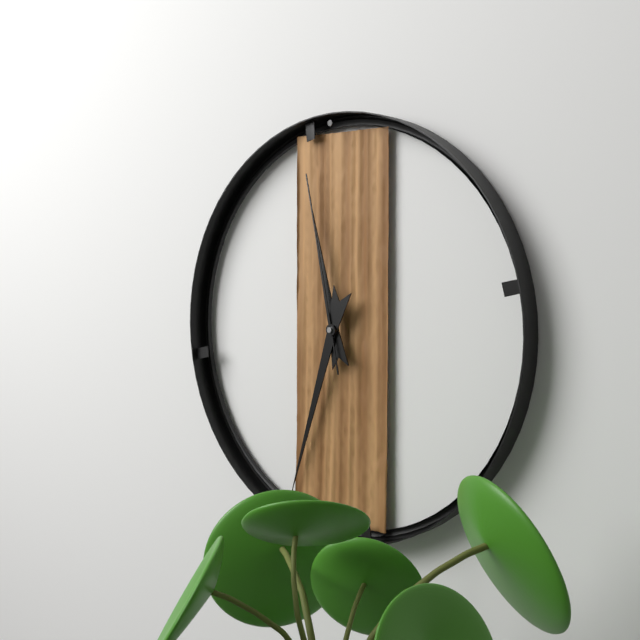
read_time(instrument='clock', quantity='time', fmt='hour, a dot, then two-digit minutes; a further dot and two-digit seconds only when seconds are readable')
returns 11.33.58
